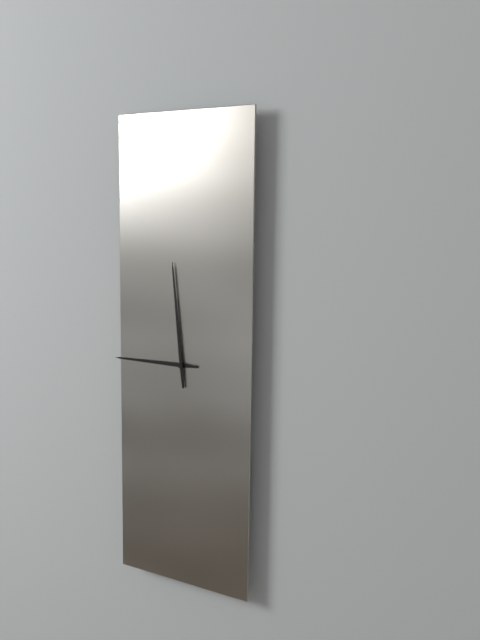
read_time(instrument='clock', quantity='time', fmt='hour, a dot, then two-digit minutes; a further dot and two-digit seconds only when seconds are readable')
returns 8.59
